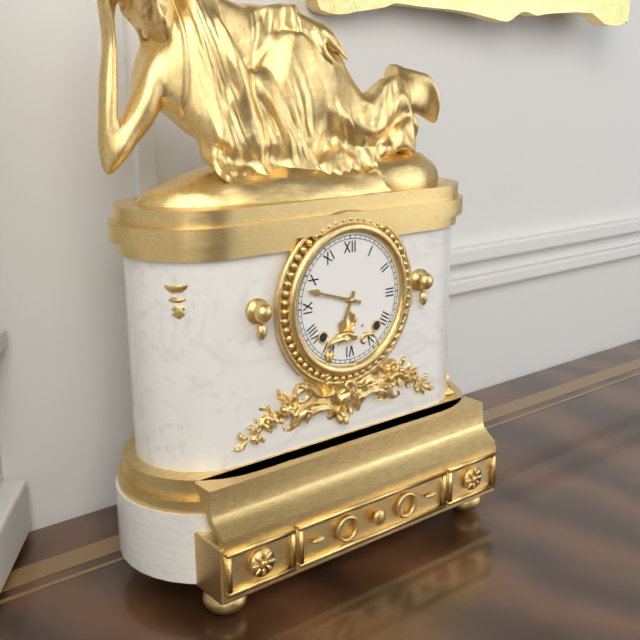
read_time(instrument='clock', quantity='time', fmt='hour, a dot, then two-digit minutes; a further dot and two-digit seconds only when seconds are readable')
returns 6.48
